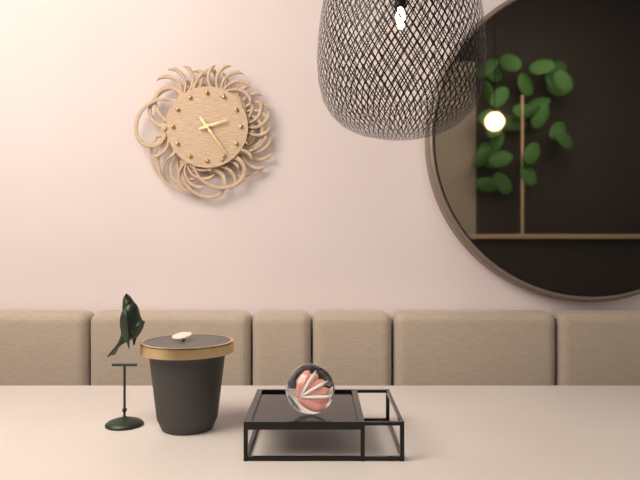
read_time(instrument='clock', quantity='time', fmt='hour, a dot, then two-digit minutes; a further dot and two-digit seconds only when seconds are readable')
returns 2.24
